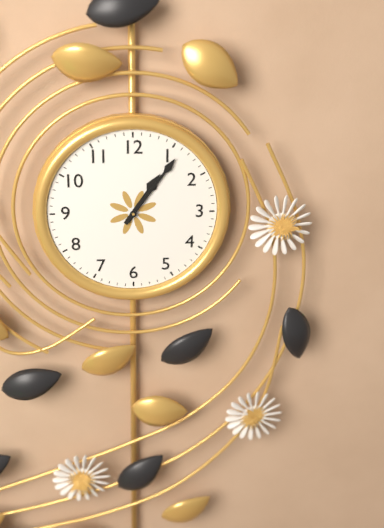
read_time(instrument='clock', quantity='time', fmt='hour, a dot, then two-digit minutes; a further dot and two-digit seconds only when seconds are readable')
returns 1.06
